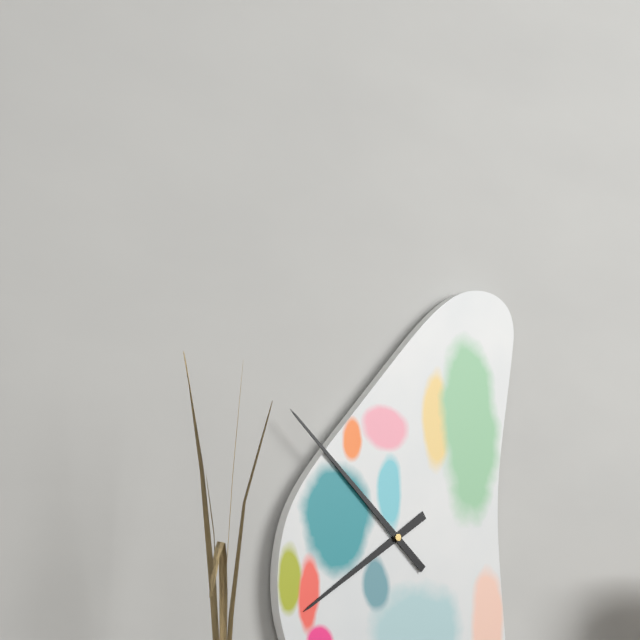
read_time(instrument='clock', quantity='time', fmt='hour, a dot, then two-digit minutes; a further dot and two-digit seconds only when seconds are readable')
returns 7.52
